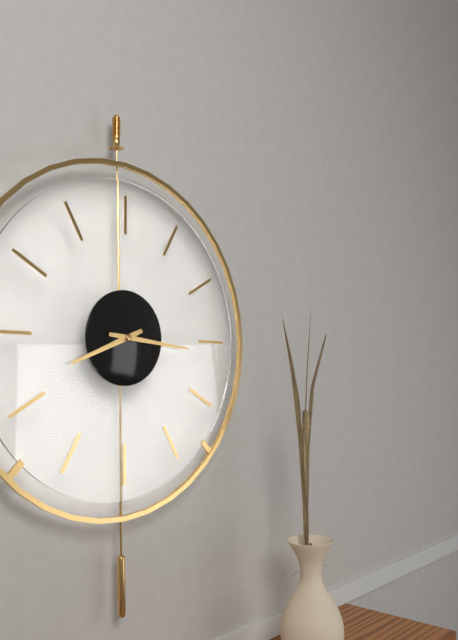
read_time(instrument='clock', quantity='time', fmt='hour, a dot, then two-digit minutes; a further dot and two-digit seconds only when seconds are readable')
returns 8.16
